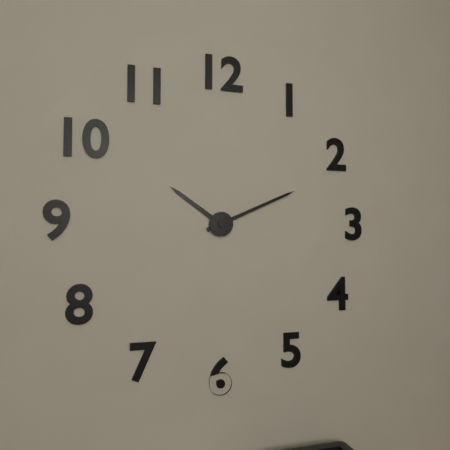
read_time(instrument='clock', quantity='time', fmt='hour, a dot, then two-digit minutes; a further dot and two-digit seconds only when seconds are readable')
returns 10.11
